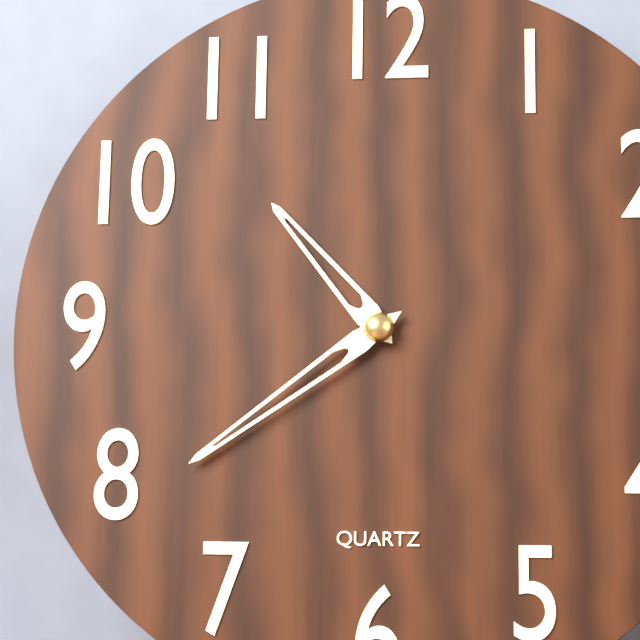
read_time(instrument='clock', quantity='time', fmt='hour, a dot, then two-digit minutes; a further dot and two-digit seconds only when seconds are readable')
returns 10.39
